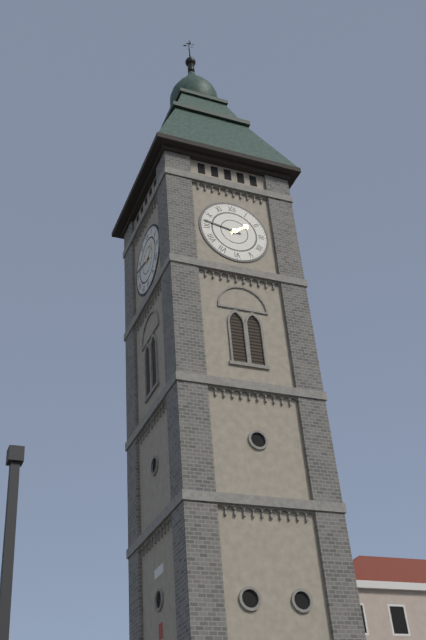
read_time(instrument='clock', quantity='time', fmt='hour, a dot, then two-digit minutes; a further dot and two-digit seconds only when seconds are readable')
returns 1.47
